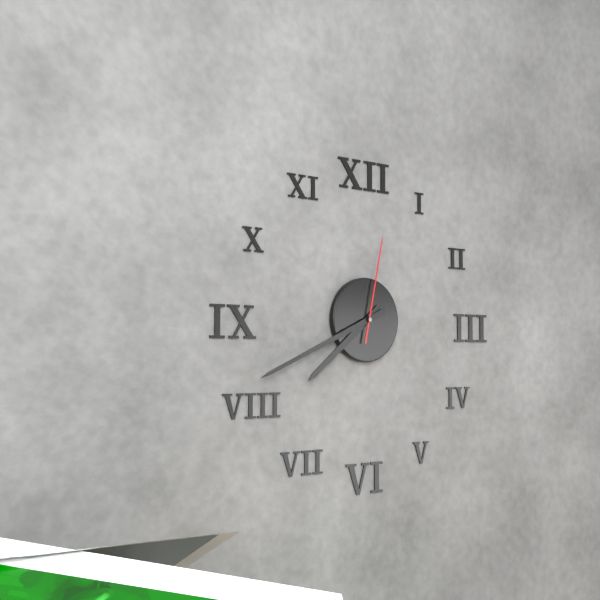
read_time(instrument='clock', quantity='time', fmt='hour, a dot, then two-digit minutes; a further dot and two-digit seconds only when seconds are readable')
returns 7.41.02
